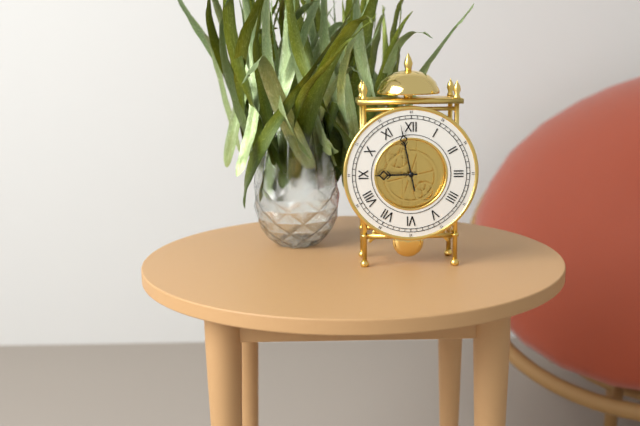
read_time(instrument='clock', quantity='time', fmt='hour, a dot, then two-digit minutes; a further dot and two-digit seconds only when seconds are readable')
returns 8.58
